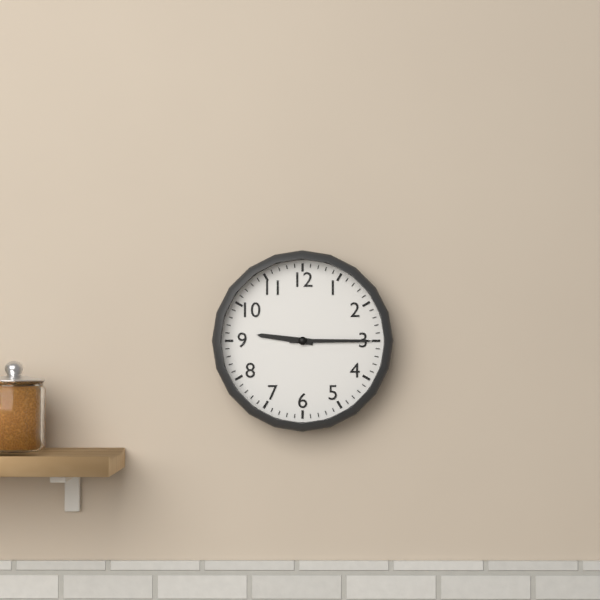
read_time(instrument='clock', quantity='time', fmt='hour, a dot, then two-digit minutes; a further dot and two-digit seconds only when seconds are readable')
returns 9.15
